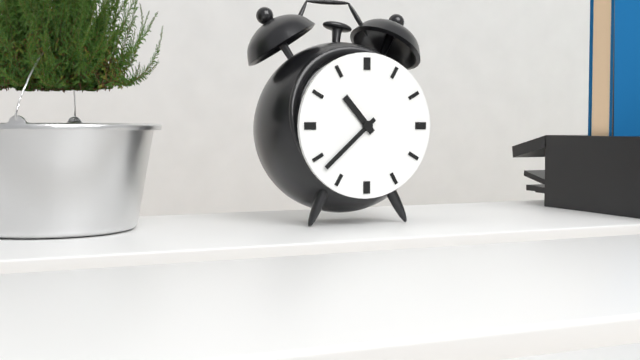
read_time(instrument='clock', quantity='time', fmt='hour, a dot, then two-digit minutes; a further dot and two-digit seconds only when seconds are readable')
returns 10.38
